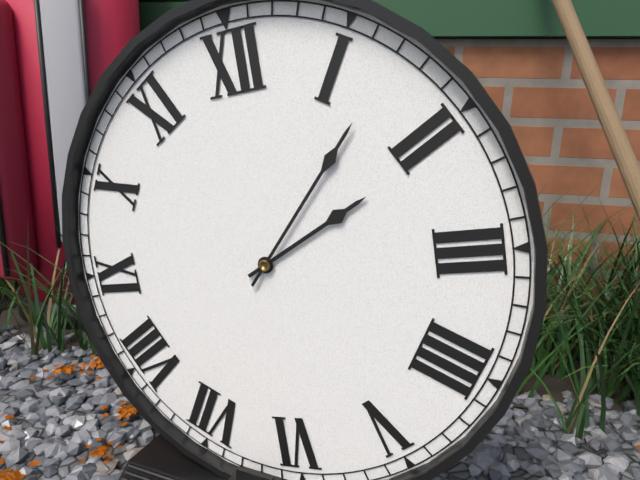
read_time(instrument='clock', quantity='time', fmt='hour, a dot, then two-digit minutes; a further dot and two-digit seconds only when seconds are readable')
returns 2.07
